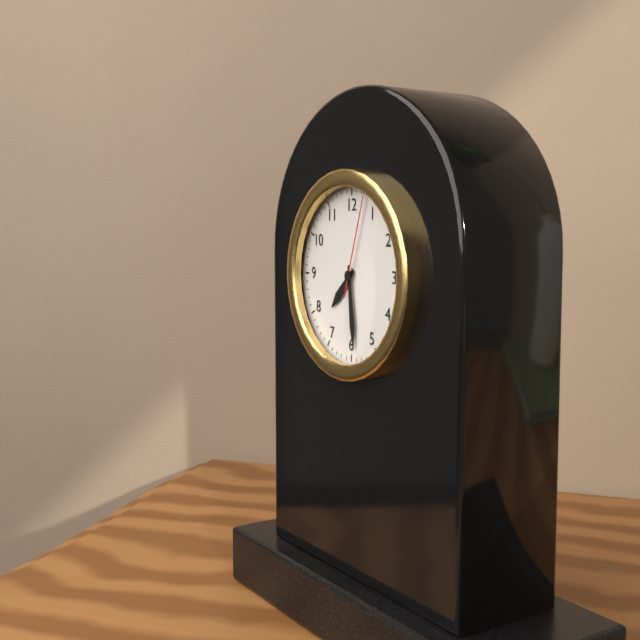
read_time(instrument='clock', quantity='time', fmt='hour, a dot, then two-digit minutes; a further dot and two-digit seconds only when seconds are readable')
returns 7.29.03
